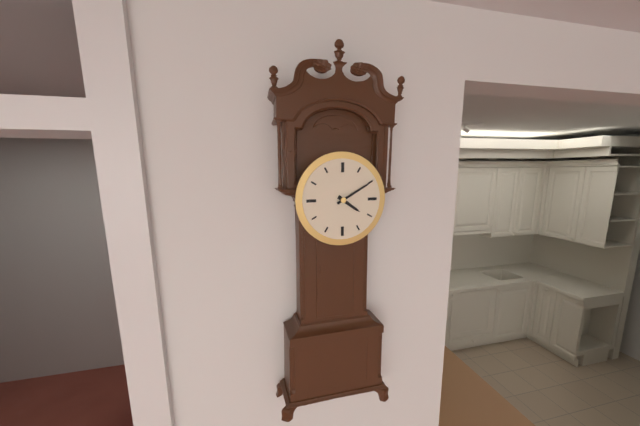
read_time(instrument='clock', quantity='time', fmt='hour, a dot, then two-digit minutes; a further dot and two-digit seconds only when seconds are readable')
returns 4.10
